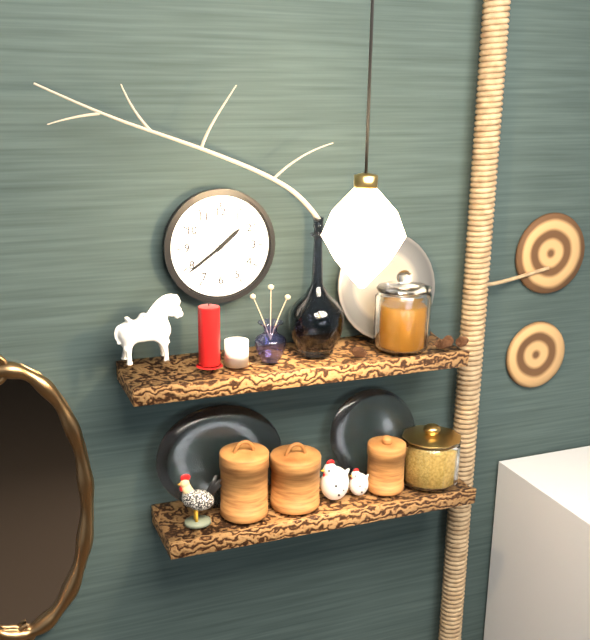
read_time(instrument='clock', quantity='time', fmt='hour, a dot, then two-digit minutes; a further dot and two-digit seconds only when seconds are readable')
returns 1.39
